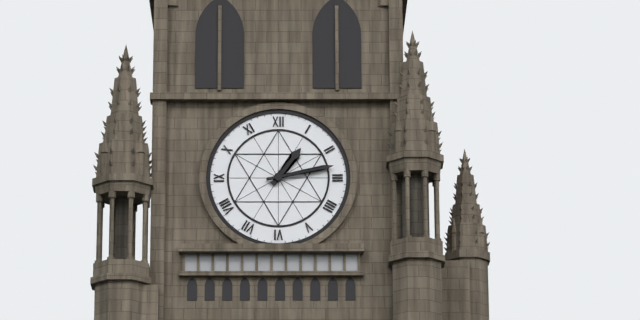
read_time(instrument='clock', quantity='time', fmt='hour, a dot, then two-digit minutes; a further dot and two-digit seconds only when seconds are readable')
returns 1.13
